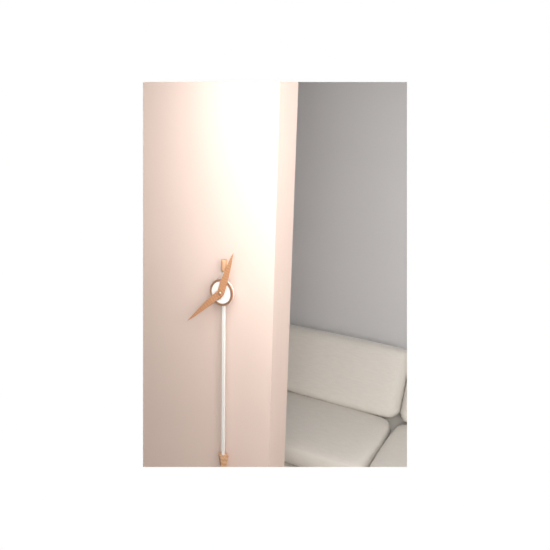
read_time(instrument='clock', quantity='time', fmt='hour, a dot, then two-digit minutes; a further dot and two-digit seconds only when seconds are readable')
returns 12.38
